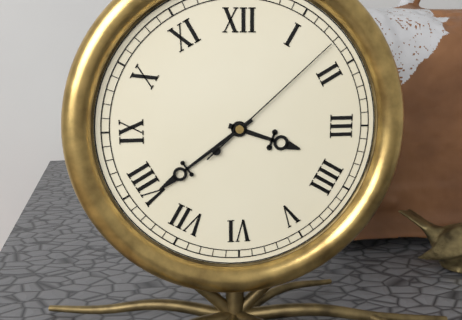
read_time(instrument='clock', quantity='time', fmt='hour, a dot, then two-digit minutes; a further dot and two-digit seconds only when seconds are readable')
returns 3.39.08
